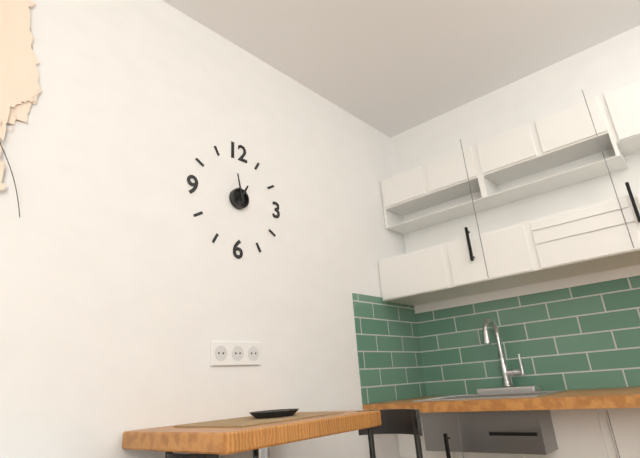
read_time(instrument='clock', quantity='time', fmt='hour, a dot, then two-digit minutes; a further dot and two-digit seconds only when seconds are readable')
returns 12.58
